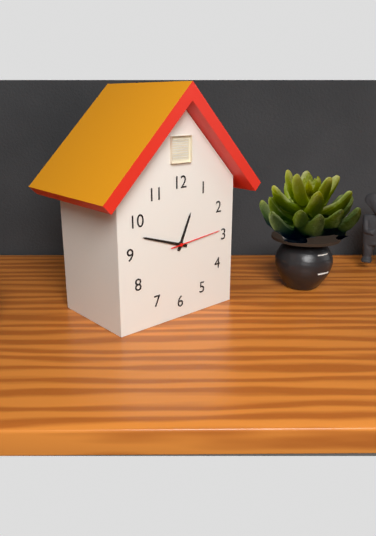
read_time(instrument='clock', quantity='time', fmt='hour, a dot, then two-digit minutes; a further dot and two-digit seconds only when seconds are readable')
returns 12.48.14
